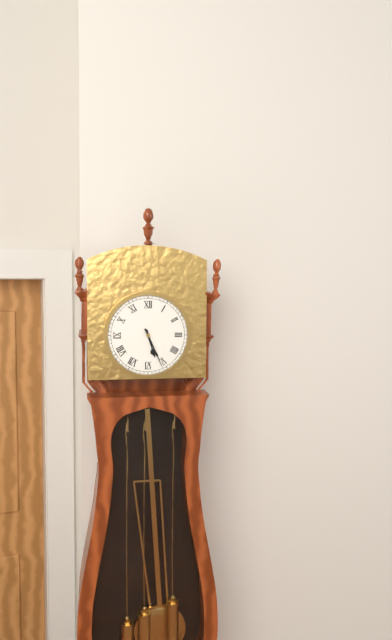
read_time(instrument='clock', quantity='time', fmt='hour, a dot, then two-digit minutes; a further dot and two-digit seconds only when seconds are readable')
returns 5.26
